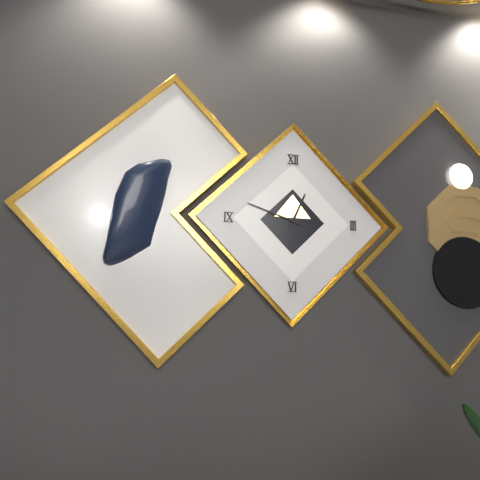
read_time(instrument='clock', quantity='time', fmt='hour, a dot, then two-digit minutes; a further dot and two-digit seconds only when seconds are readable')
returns 12.48
